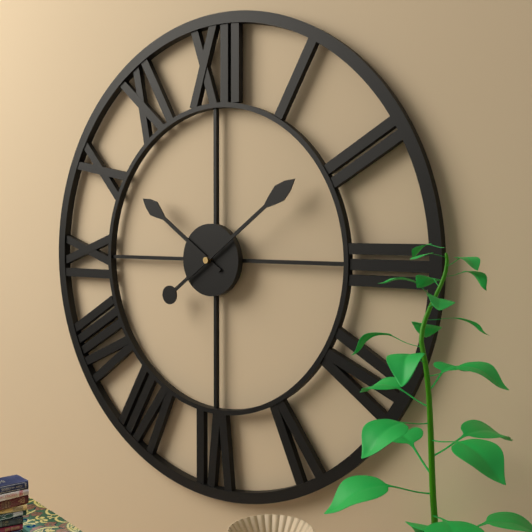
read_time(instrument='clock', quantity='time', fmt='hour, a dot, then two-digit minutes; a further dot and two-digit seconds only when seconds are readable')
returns 10.09
